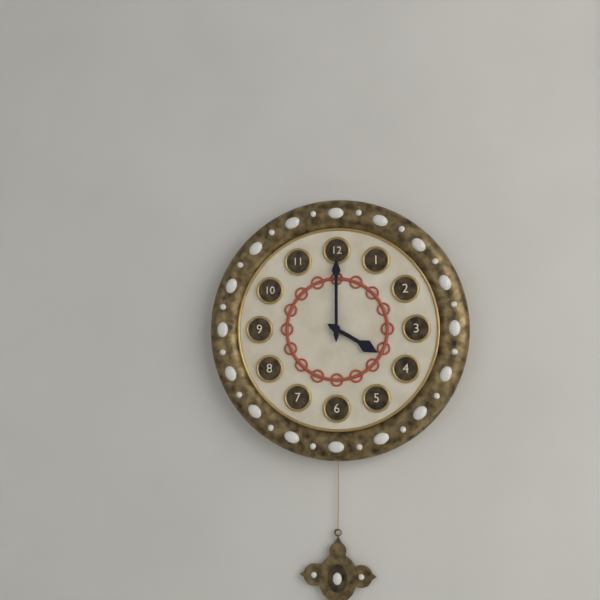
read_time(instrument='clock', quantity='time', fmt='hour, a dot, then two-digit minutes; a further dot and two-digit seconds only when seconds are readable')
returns 4.00
